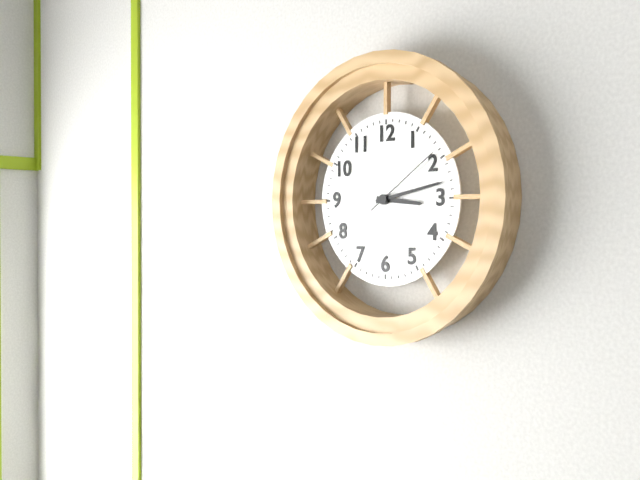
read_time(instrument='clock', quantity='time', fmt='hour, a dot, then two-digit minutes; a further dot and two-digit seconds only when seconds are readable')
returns 3.13.09
